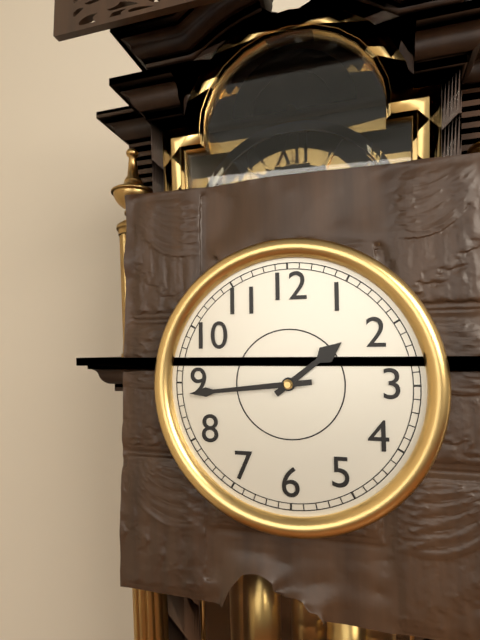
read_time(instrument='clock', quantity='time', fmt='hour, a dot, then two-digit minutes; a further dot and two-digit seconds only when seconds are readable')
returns 1.44
